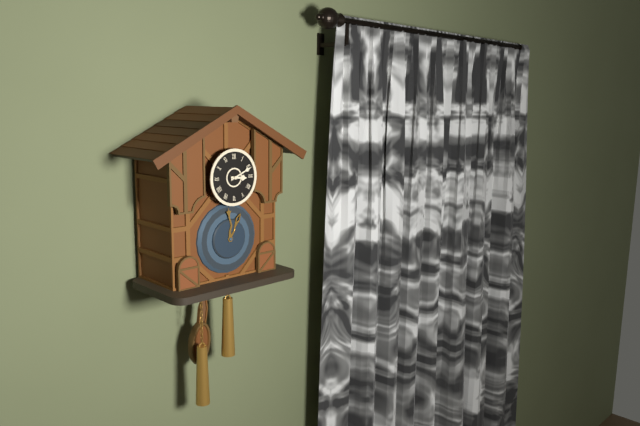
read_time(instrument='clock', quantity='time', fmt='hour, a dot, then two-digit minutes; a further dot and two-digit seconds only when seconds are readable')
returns 3.11
